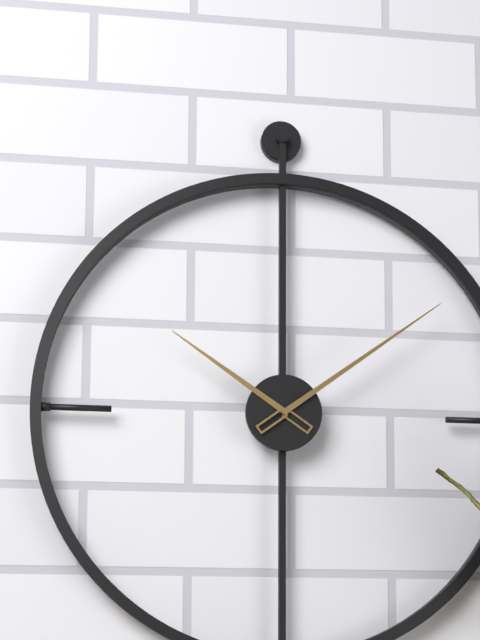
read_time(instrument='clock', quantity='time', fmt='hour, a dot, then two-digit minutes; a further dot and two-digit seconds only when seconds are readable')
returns 10.09
